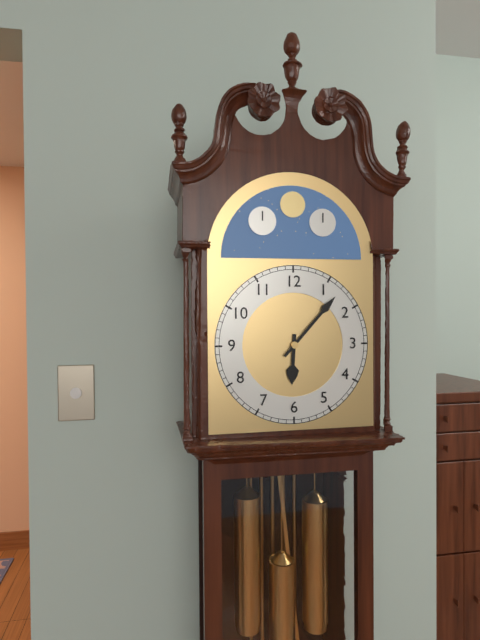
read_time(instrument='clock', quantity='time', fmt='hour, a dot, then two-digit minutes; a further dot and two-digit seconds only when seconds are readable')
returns 6.07
